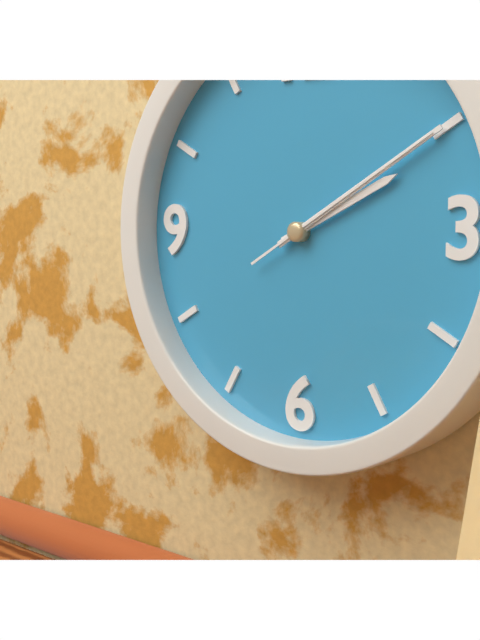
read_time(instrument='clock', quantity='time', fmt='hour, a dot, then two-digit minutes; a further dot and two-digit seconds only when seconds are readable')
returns 2.10.10
